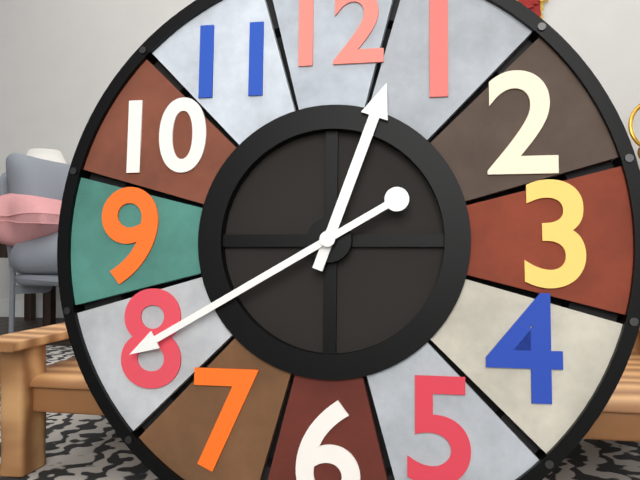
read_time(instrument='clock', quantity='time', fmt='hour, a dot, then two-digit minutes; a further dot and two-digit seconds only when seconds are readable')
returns 12.40
